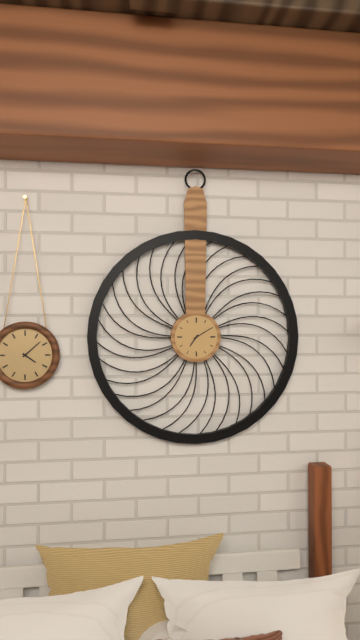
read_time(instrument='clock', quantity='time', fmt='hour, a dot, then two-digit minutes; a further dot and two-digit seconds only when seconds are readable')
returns 7.10
